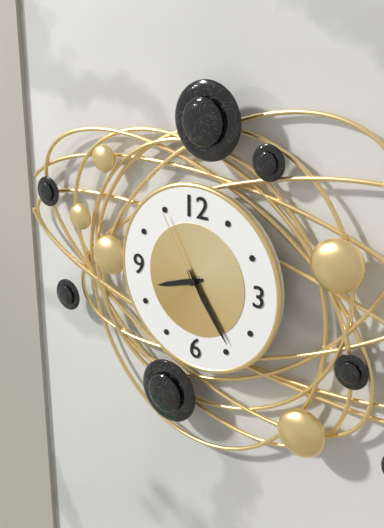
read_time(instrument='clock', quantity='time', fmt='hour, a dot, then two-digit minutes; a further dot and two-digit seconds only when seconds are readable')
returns 8.24.55
